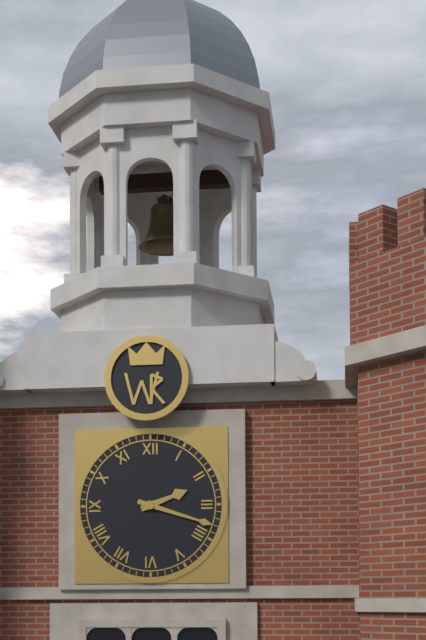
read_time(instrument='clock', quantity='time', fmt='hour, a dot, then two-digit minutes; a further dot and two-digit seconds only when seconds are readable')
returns 2.18
